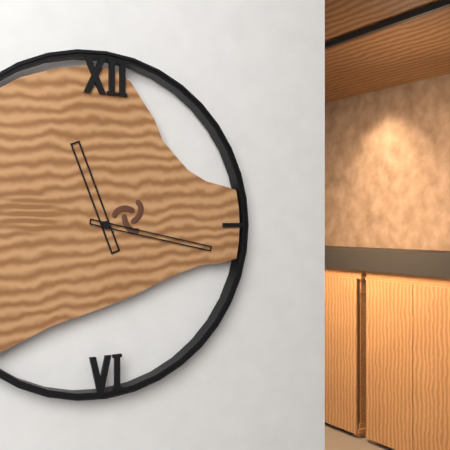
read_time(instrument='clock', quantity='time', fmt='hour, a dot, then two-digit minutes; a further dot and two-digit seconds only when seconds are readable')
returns 11.17
